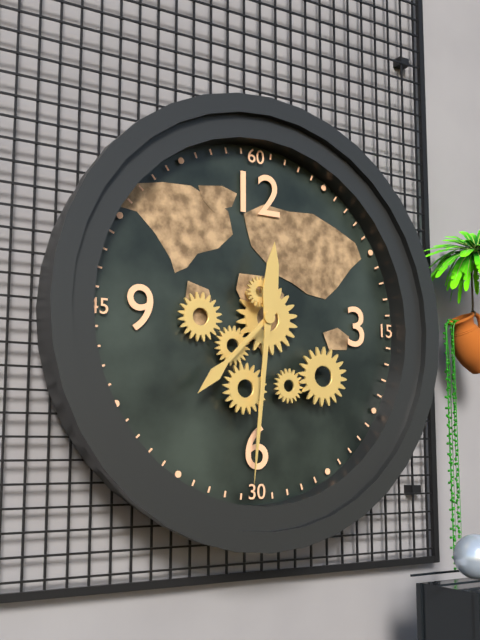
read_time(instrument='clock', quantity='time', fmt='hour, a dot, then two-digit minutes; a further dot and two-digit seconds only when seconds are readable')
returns 7.31
